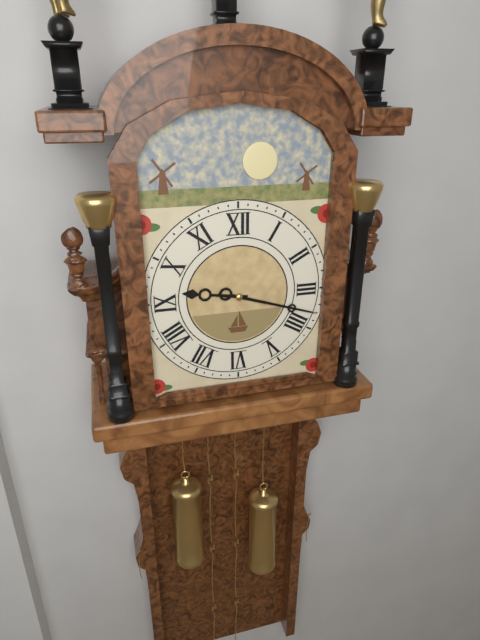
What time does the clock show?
9:18
